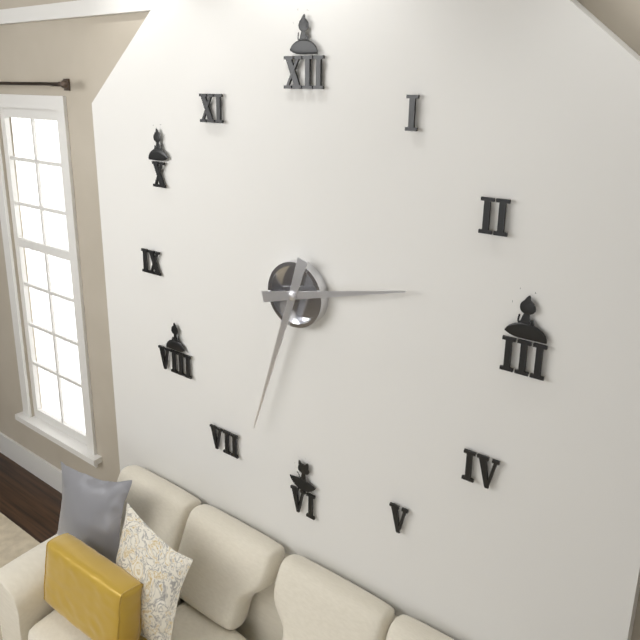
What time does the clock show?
2:33
